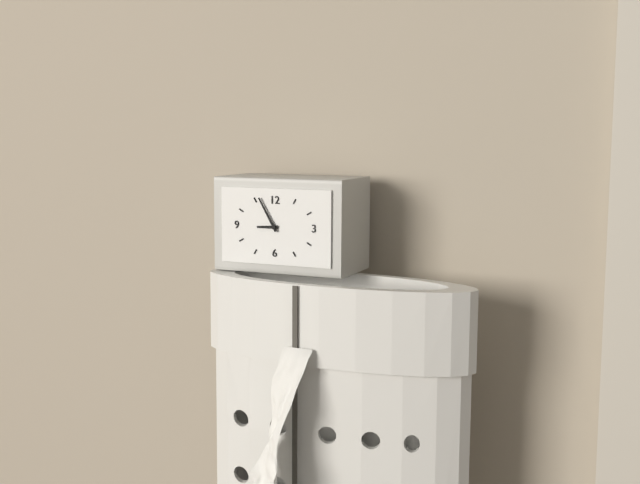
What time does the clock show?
8:55
